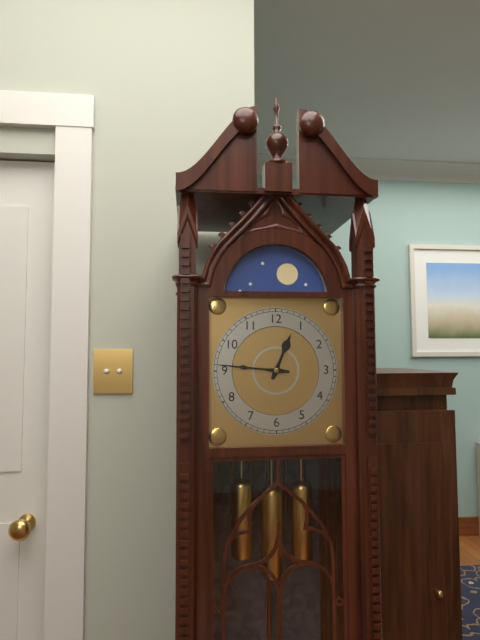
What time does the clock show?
12:46
